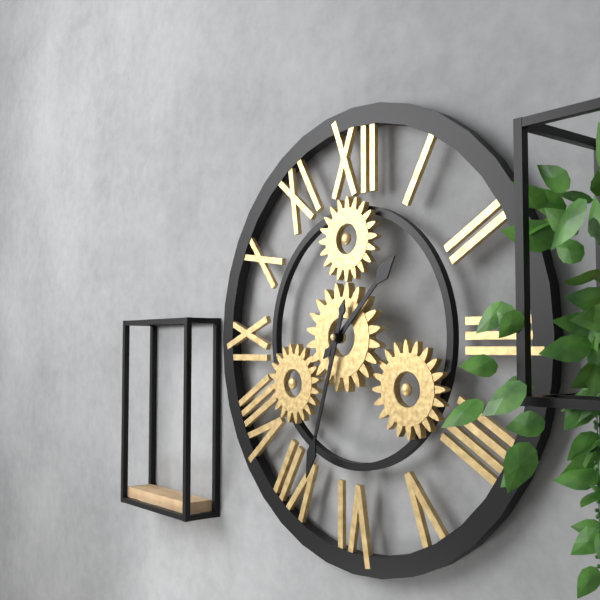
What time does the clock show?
1:33
